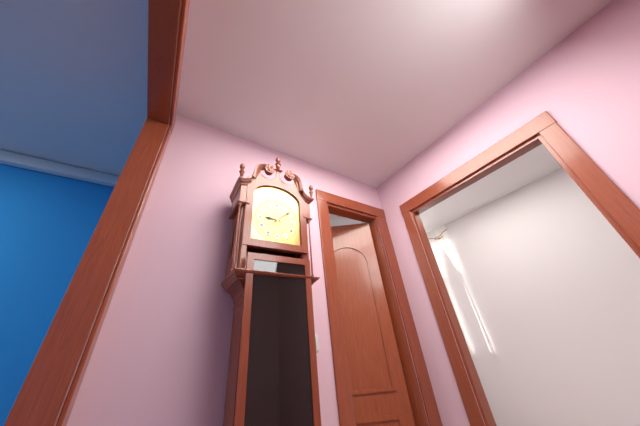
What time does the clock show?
9:08
